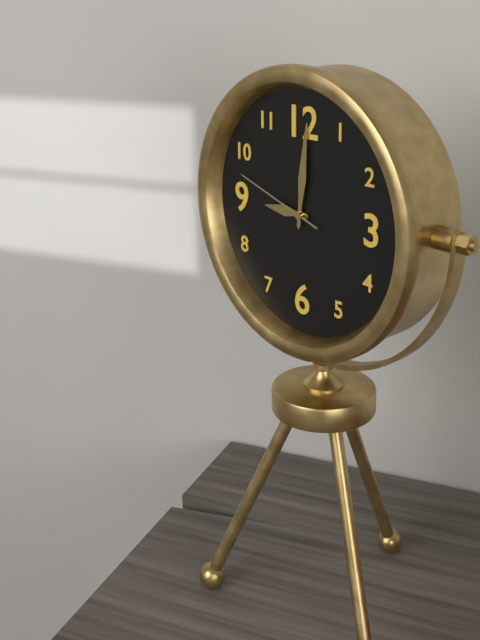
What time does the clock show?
9:01:48
